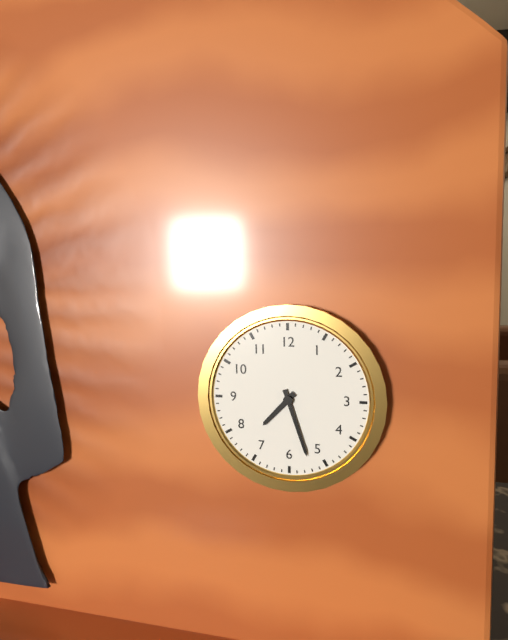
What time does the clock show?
7:27
